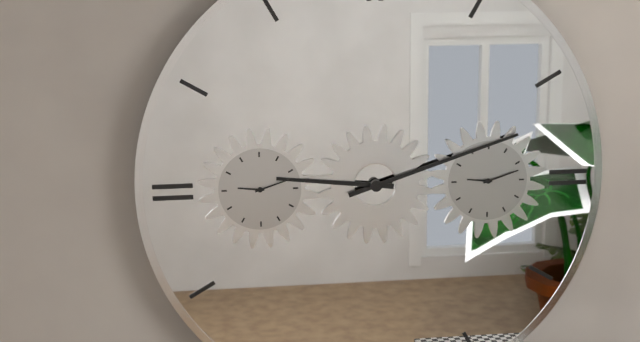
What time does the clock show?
9:12
